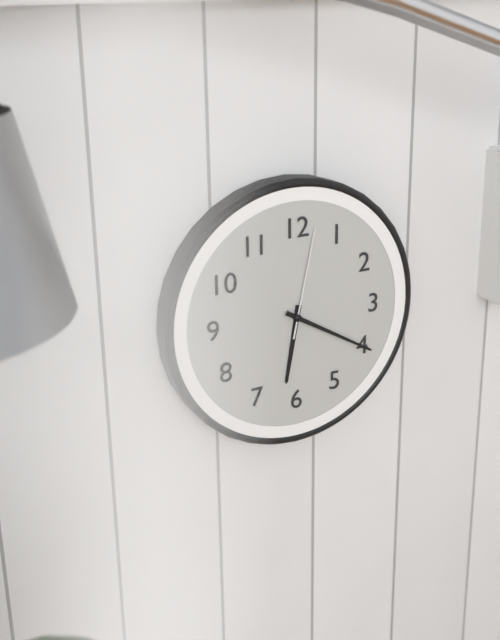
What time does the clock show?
6:20:02
